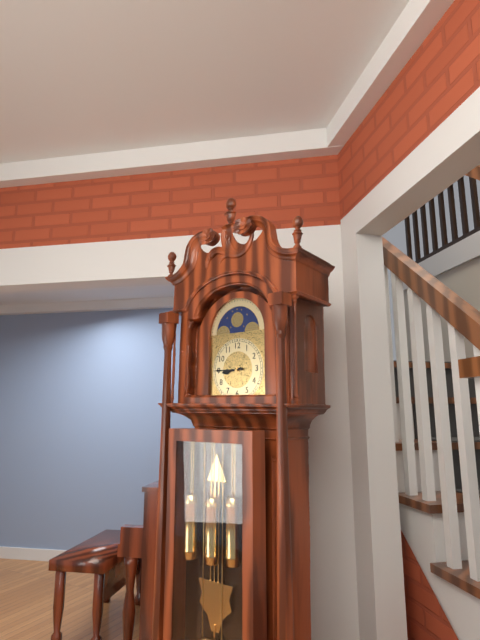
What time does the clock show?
8:45
